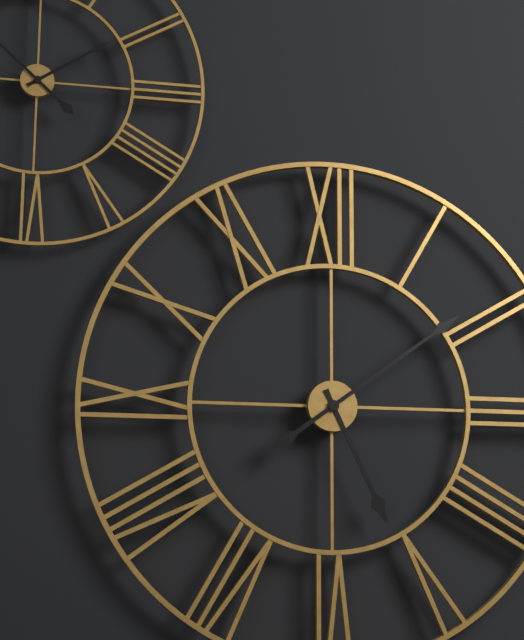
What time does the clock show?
5:09
